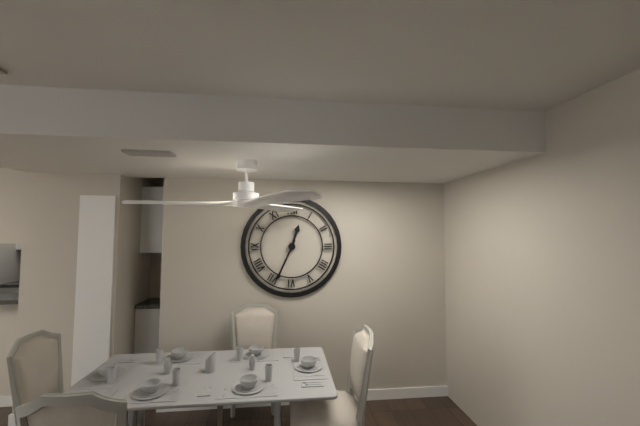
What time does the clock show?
12:34
